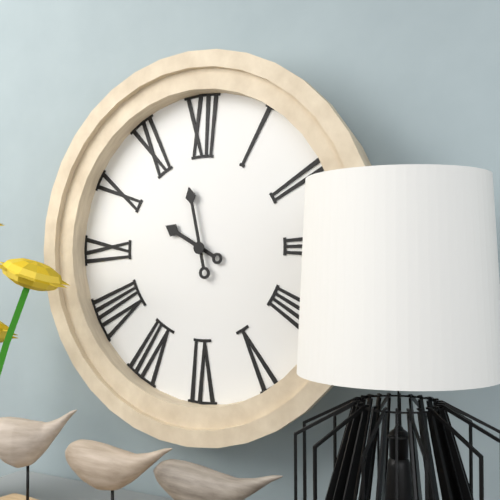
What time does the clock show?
9:58
